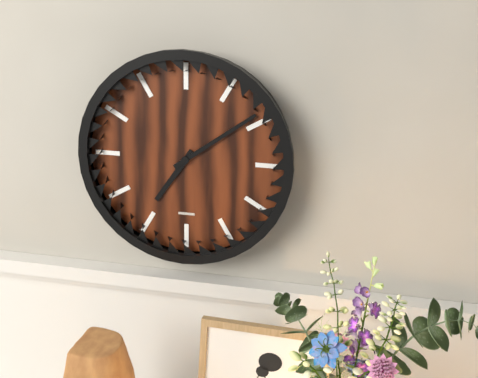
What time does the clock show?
7:09
